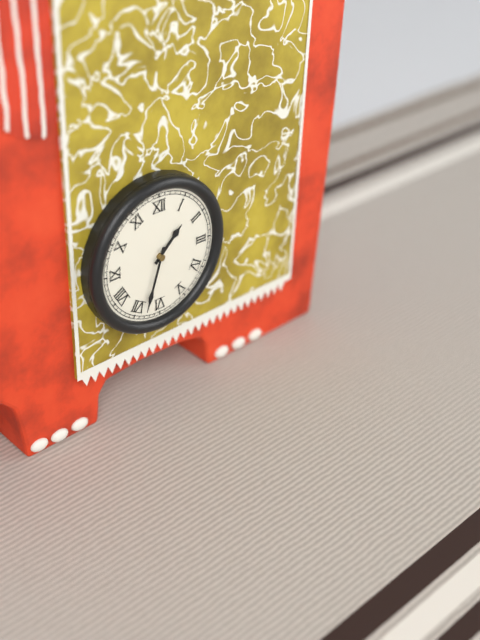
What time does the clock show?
1:33
